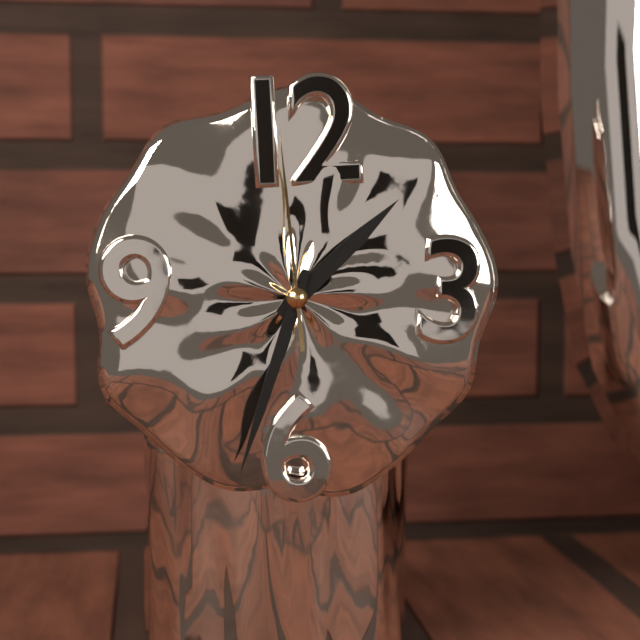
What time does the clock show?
1:33:59
